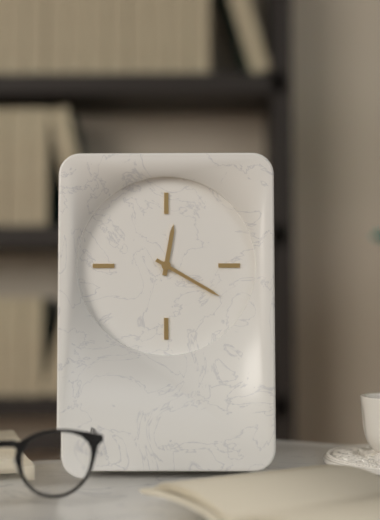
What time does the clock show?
12:20
